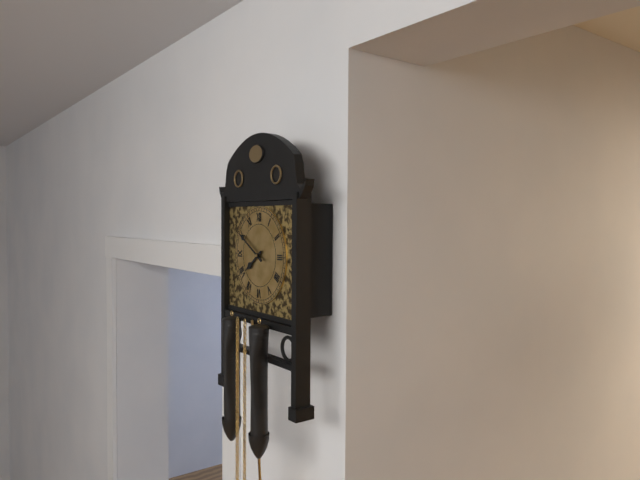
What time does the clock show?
7:50
